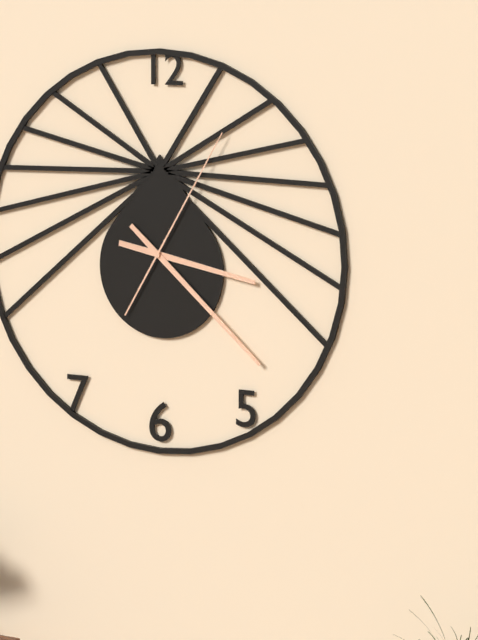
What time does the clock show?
3:22:05
